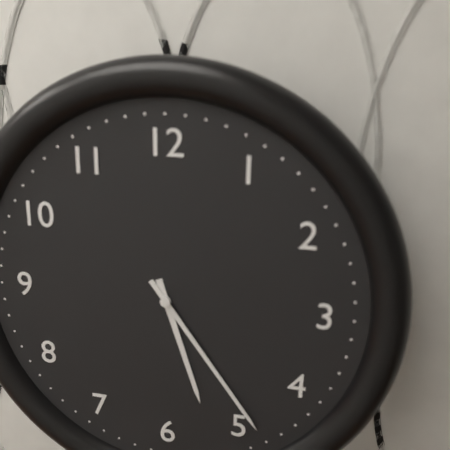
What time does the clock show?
5:24
